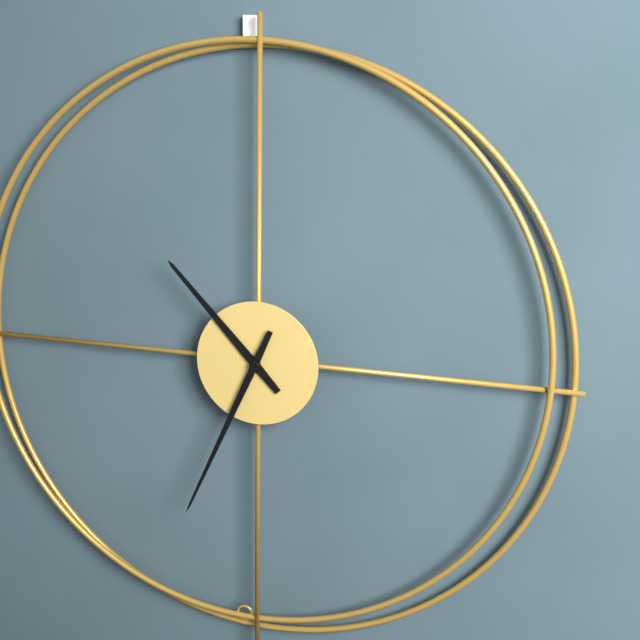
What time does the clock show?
10:34
